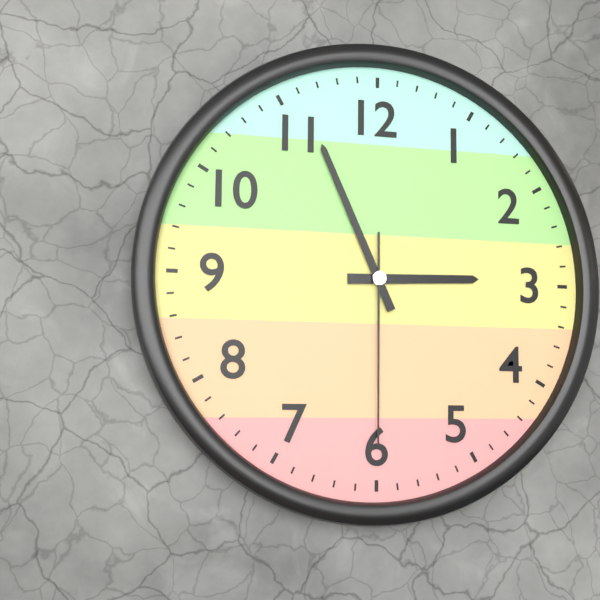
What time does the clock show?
2:56:30
